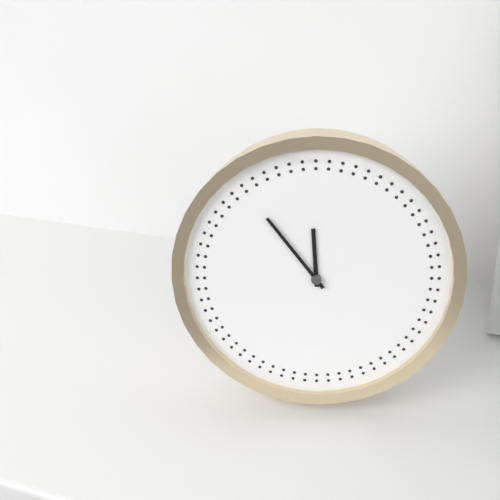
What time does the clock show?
11:54
